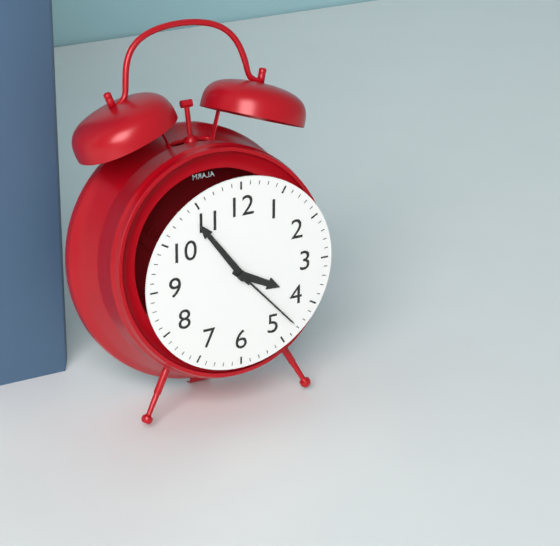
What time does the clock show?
3:54:23
